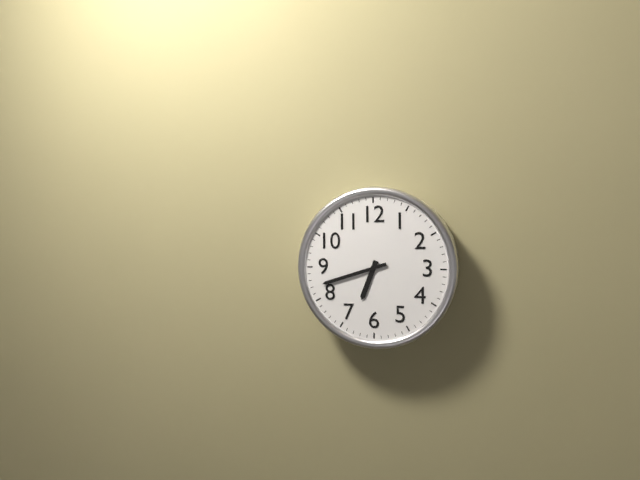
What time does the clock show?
6:42
